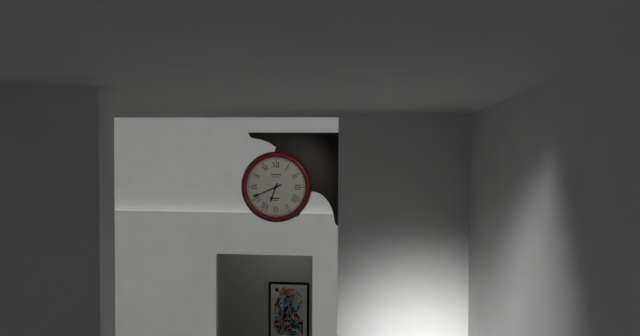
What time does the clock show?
6:41
